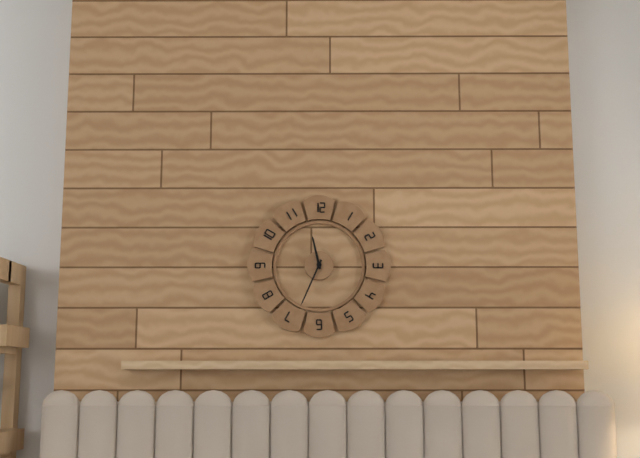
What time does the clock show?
11:34
